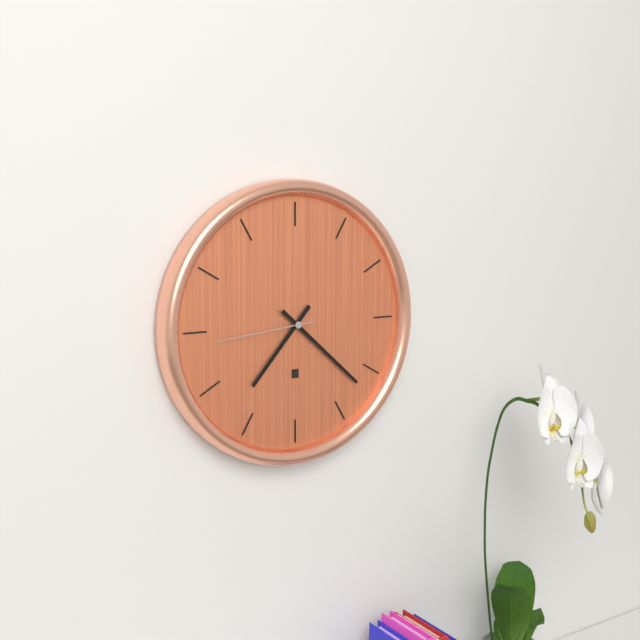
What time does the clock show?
7:22:44
